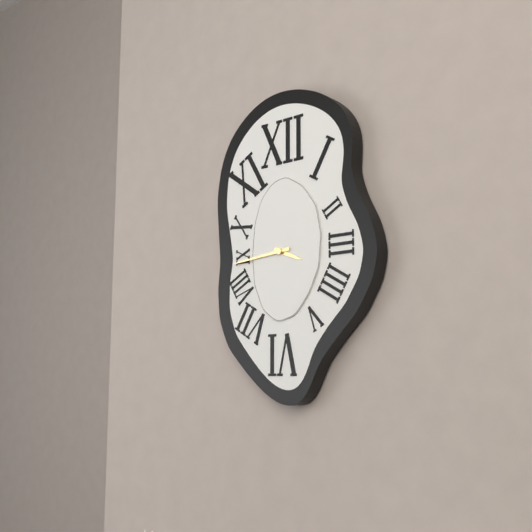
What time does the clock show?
3:44
